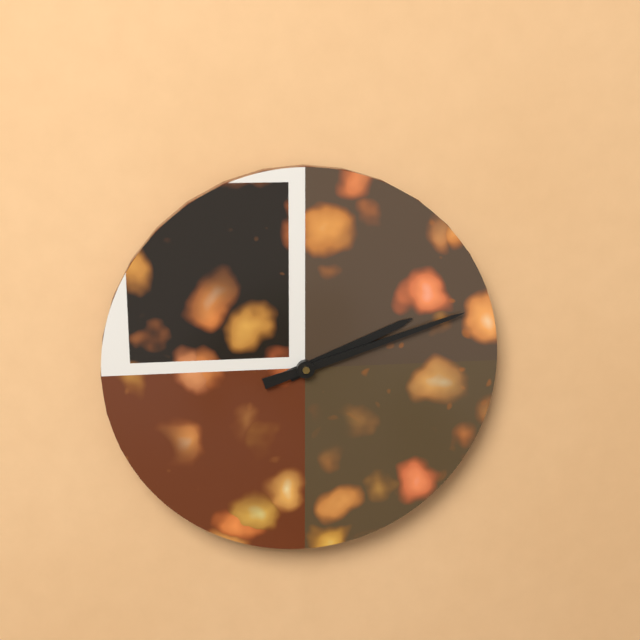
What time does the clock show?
2:12
